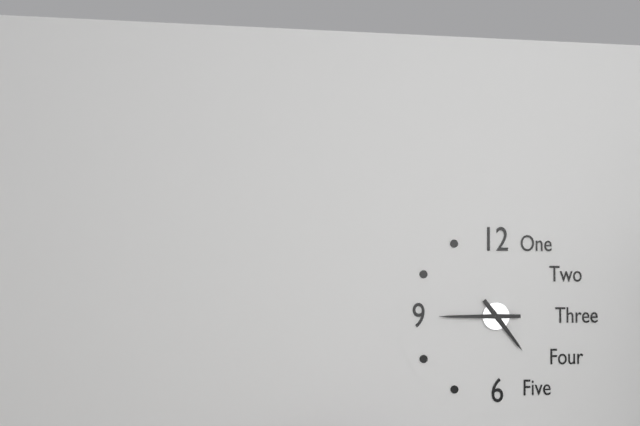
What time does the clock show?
4:45
